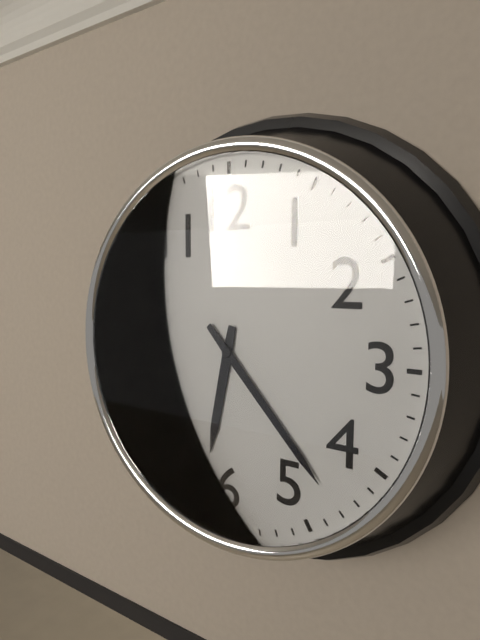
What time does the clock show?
6:23
